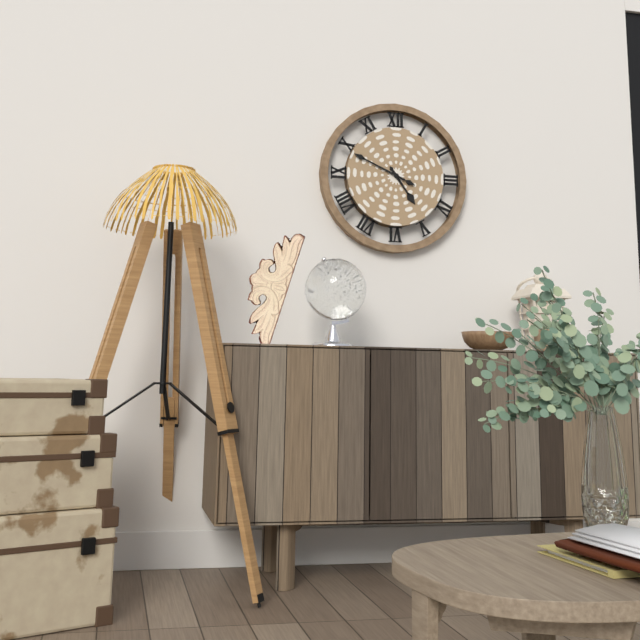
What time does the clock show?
4:49
